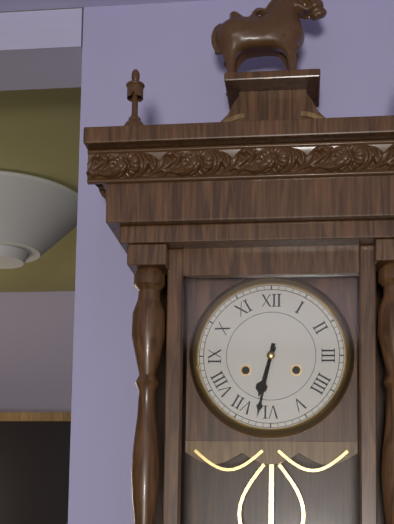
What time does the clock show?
6:32
